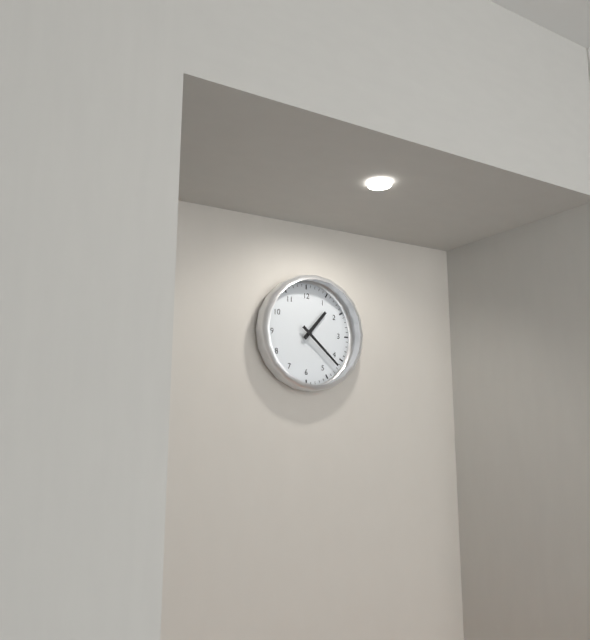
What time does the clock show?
1:22
